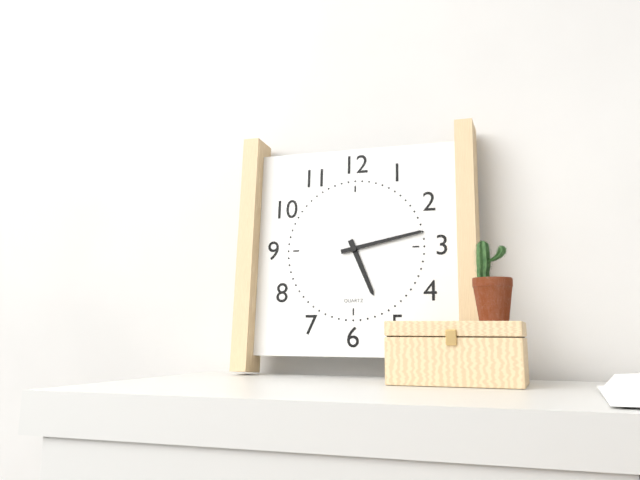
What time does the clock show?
5:13
